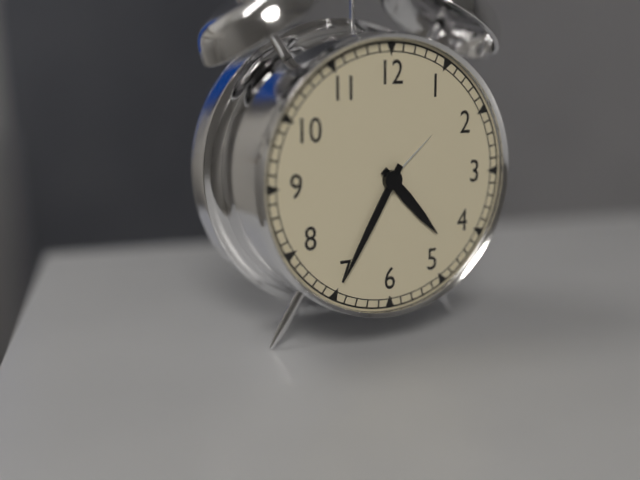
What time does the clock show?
4:35
